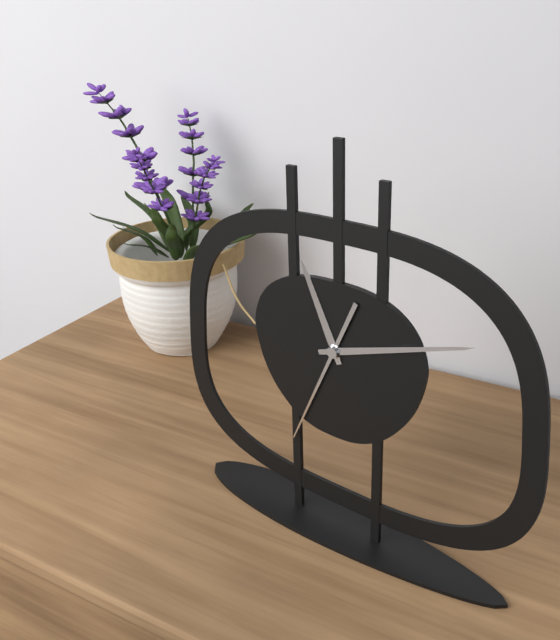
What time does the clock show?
11:12:34
